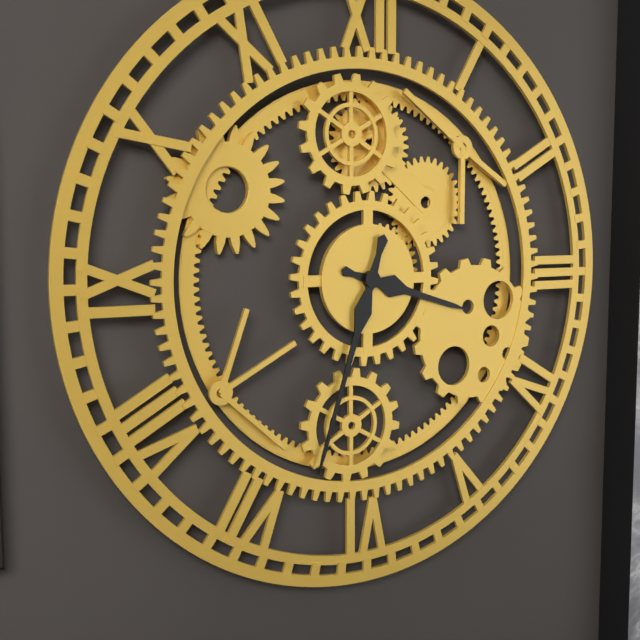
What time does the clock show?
3:33
